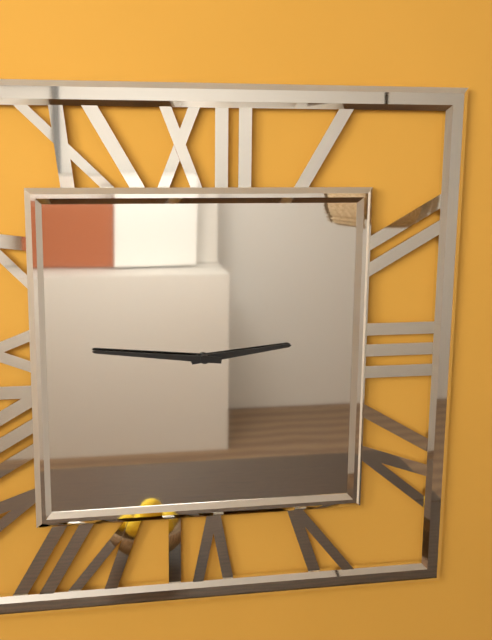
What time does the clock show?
2:46
